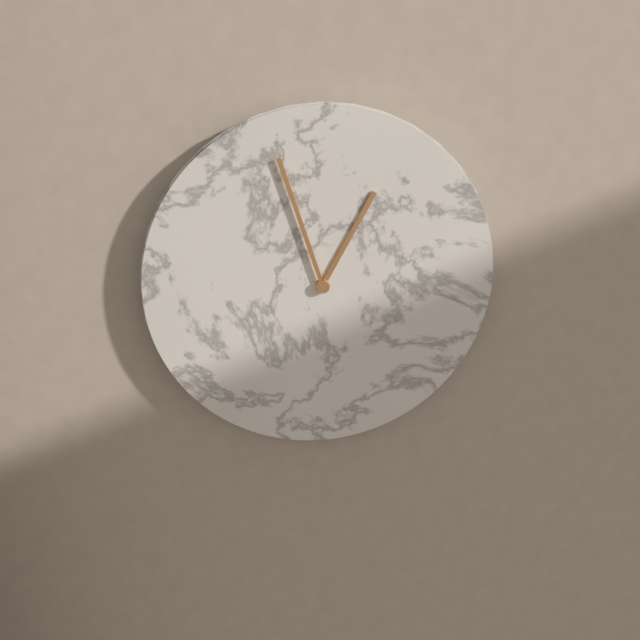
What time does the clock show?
12:57
